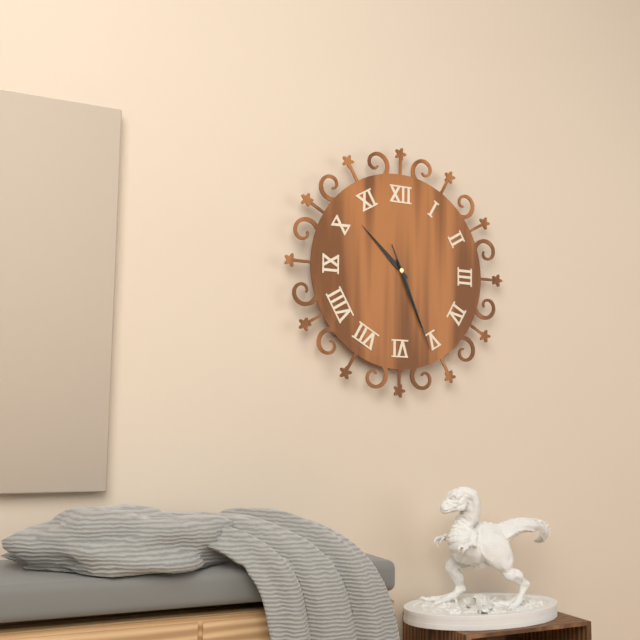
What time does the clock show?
10:26:26
